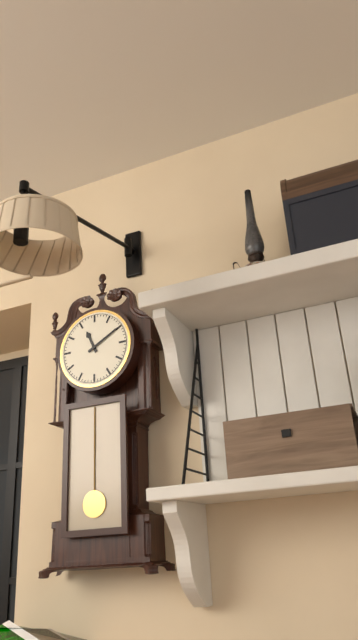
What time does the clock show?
11:10
